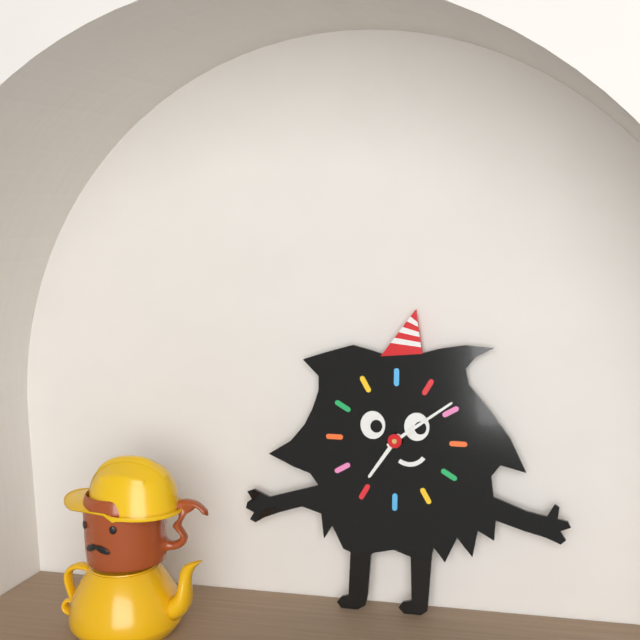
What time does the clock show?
7:09
